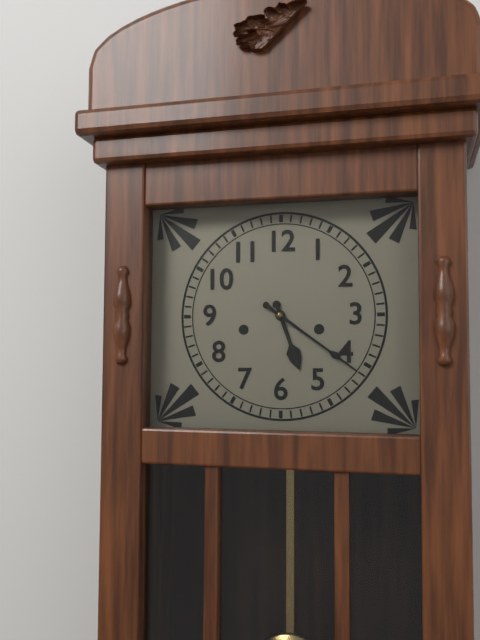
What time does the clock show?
5:21
